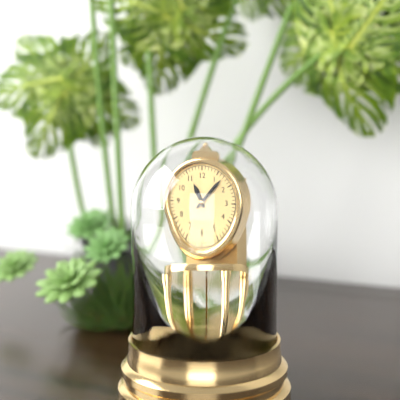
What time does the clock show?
11:07
